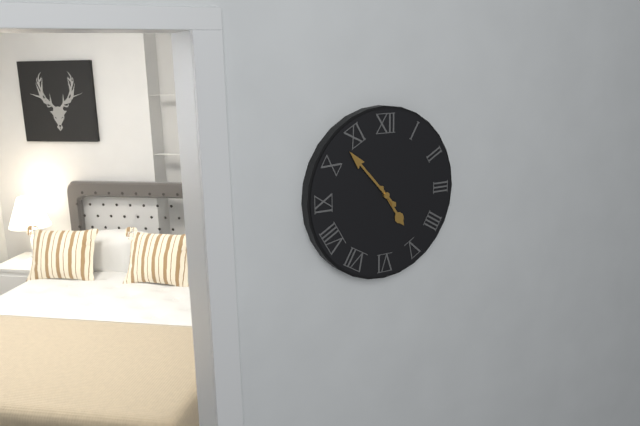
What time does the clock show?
4:53
